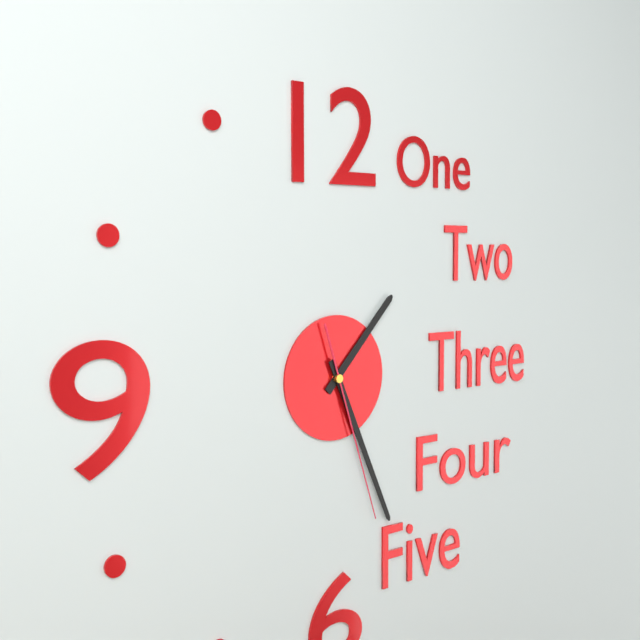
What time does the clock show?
1:26:27
